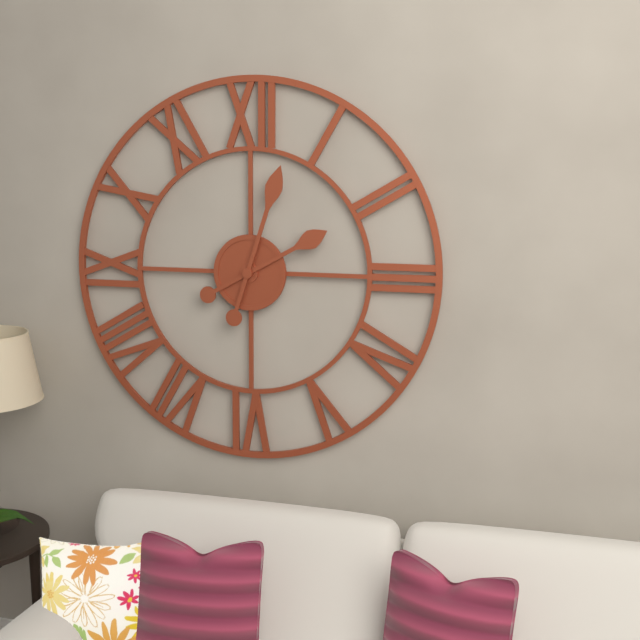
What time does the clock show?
2:03
